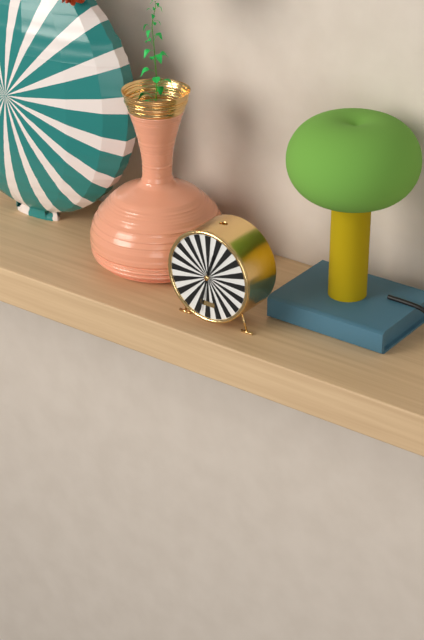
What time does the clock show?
12:32
